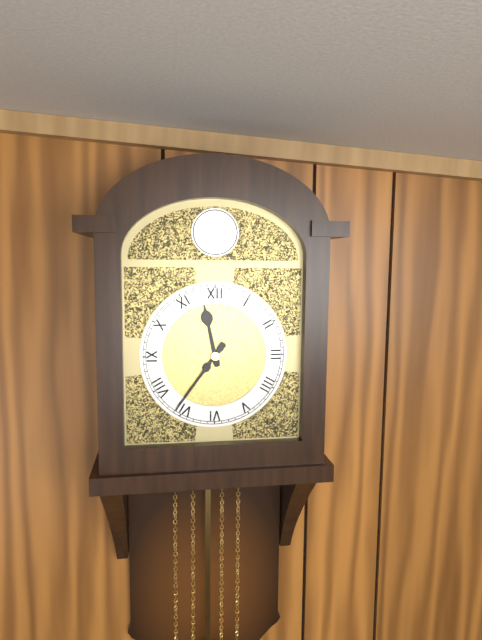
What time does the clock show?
11:36
